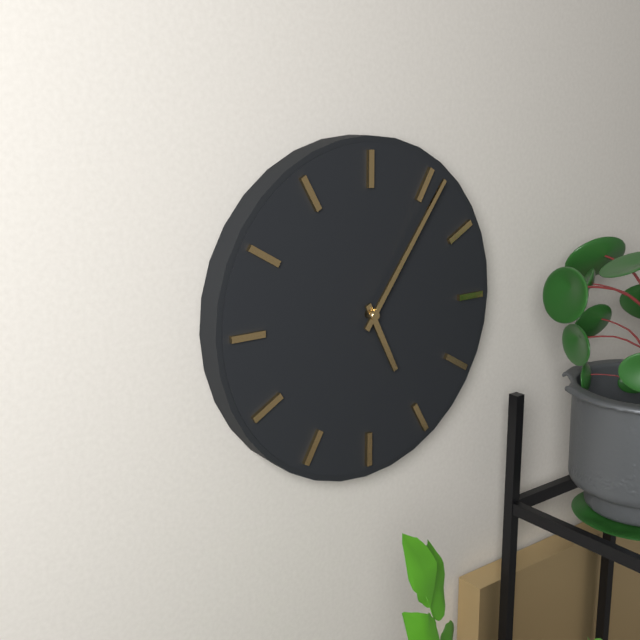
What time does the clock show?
5:06
